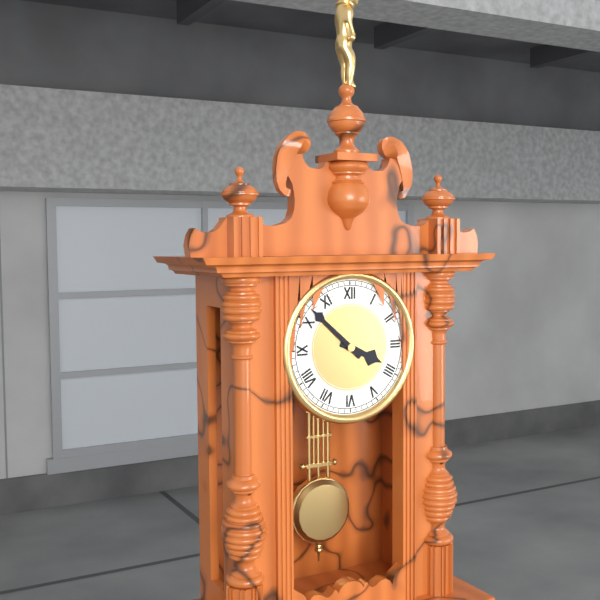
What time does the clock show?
3:52
